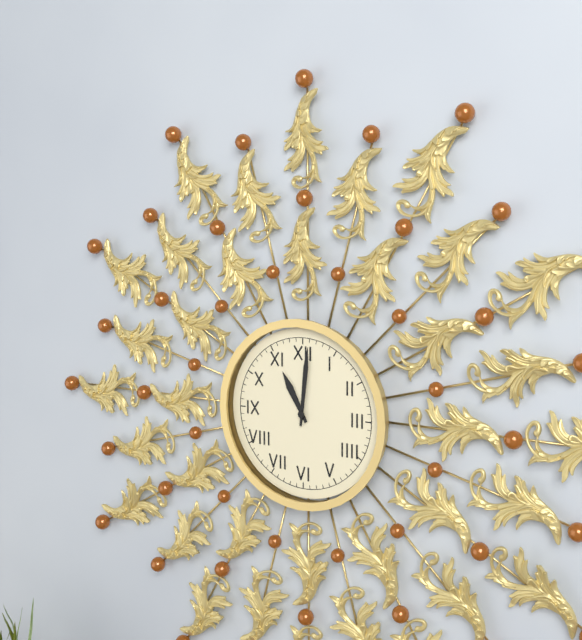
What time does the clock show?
11:01
